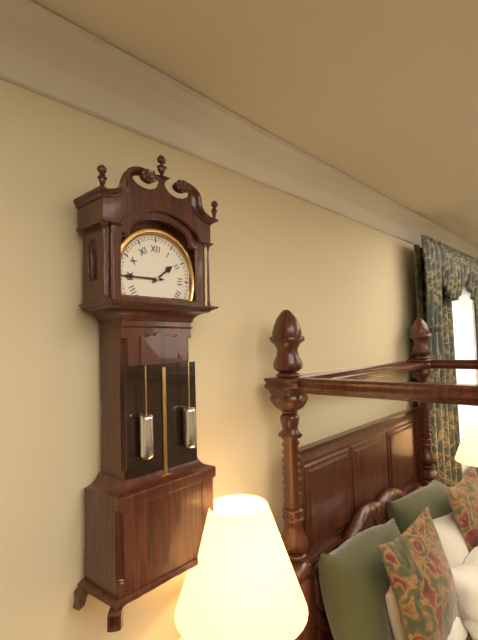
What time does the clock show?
1:45
